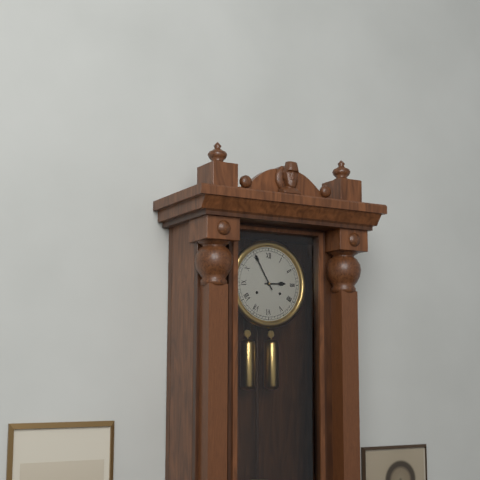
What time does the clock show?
2:55
